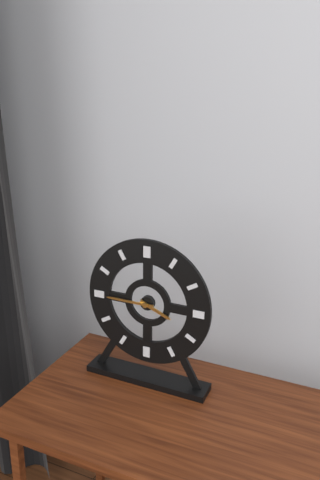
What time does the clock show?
3:45
